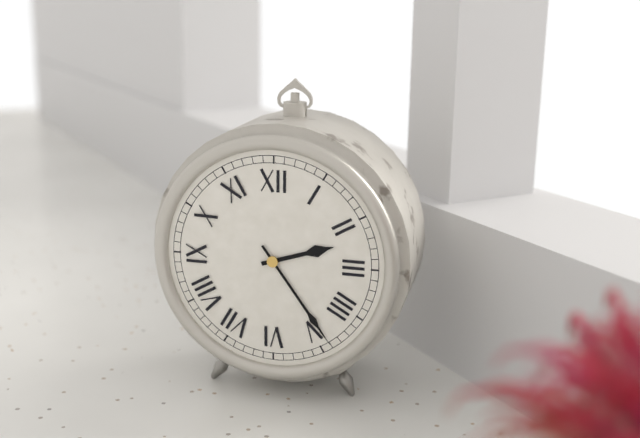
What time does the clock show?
2:24
